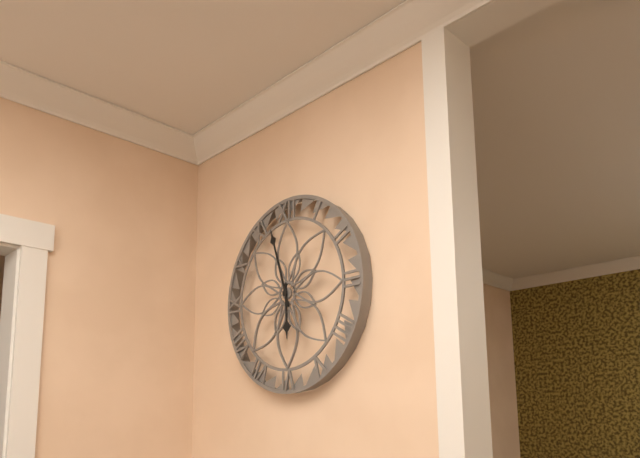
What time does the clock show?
5:57
